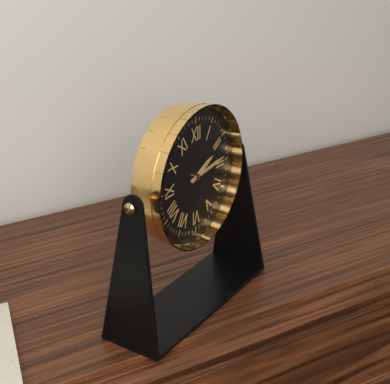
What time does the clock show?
2:14
